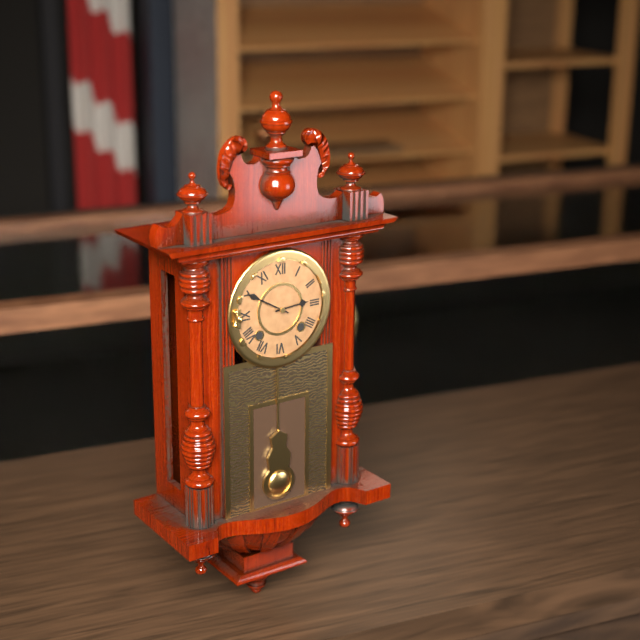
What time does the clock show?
2:50
